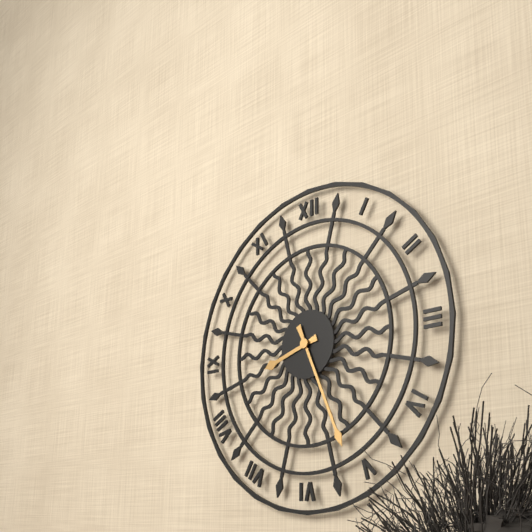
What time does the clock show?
8:26
